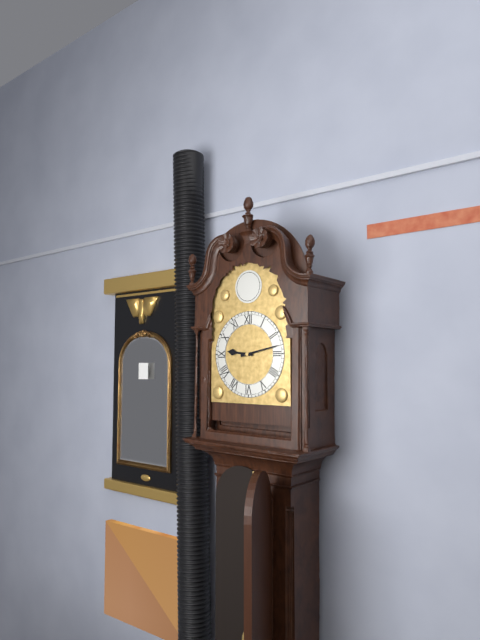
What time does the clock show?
9:13
